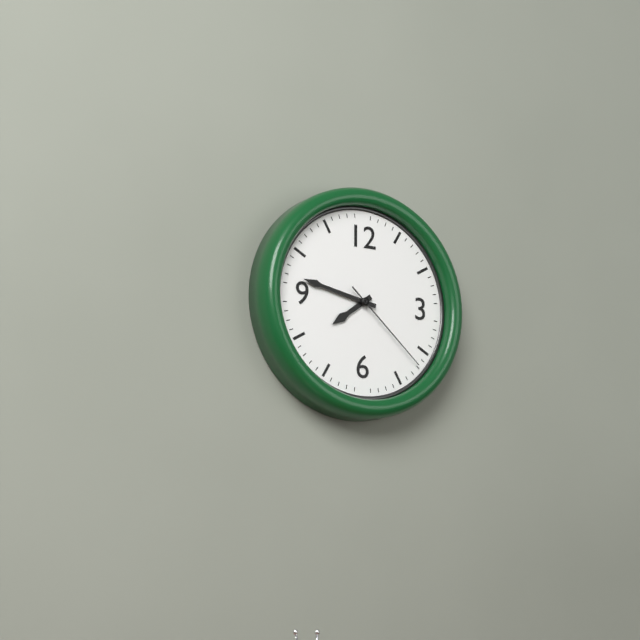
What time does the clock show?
7:47:22
